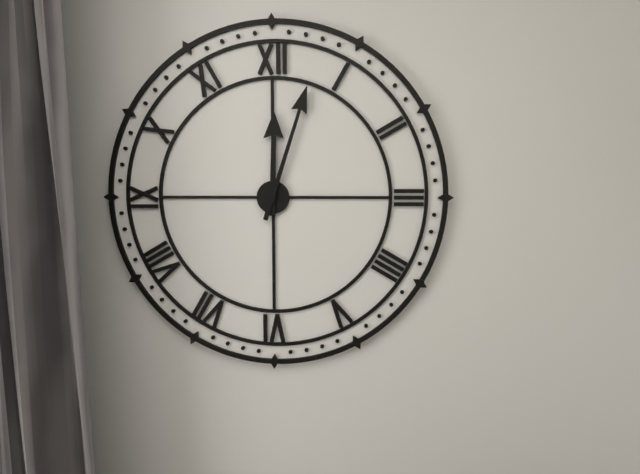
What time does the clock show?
12:03
